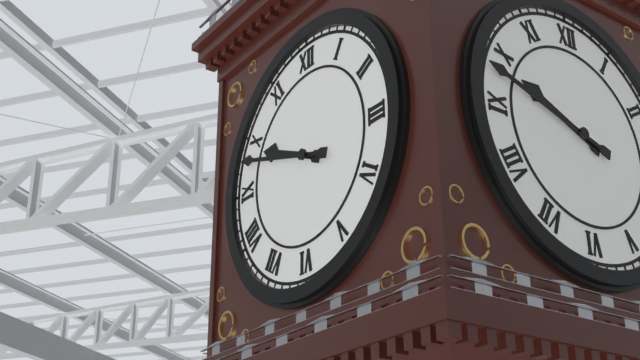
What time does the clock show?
9:48
